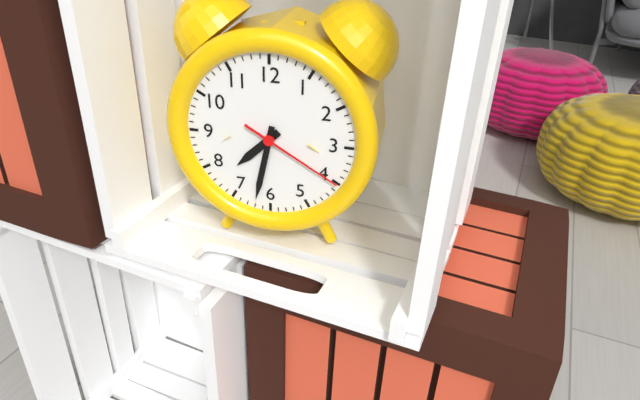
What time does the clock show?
7:32:20
